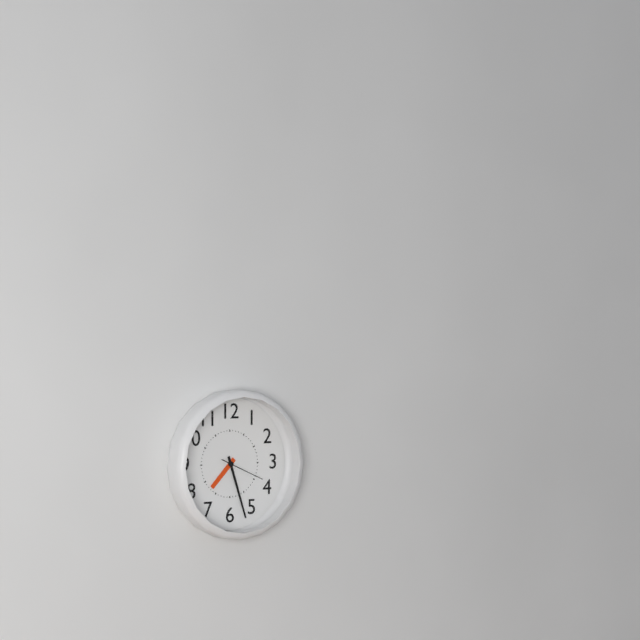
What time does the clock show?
7:27
